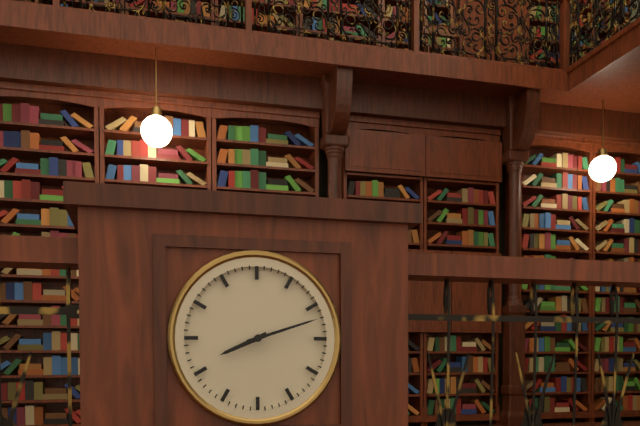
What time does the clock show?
8:12
